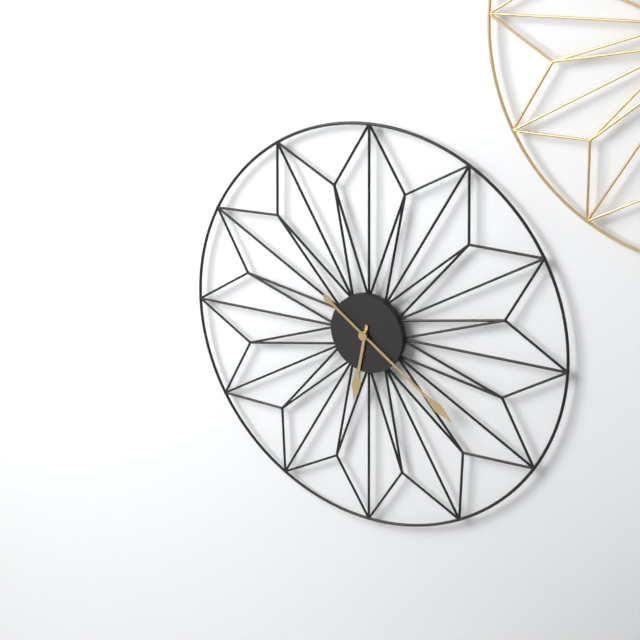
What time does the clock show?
6:21
